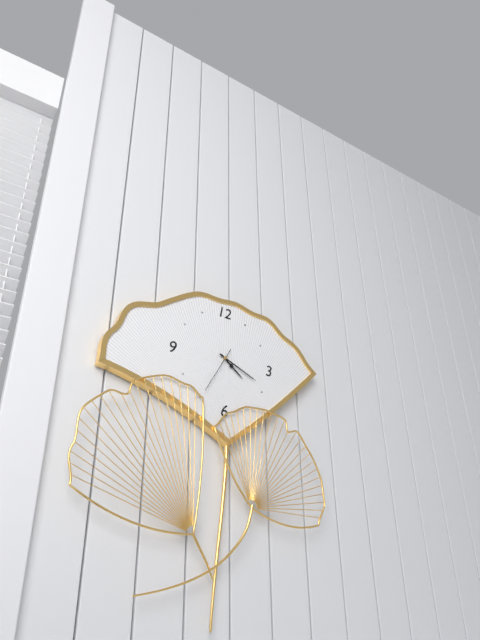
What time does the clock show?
4:19
